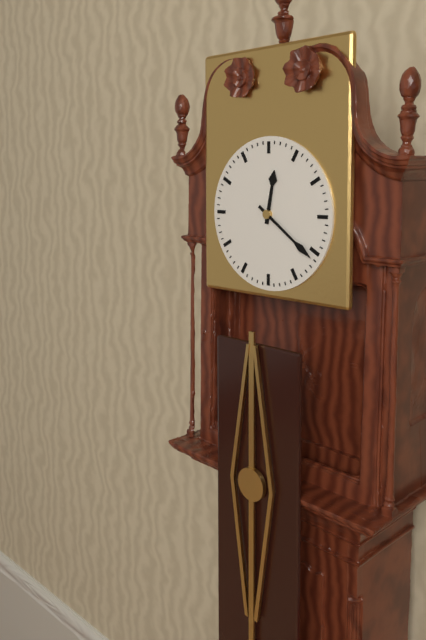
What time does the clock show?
12:21
